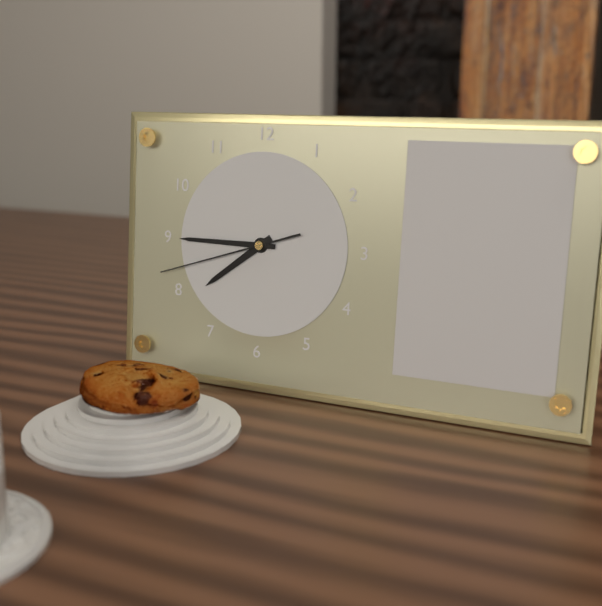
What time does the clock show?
7:45:42
